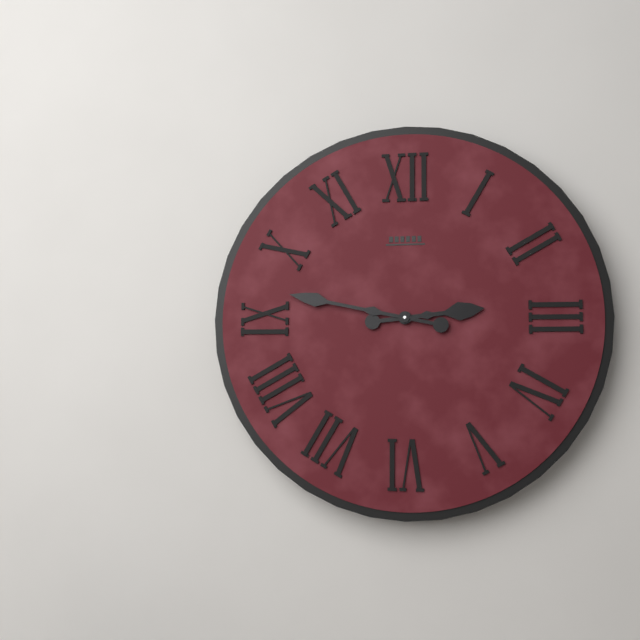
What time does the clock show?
2:47
